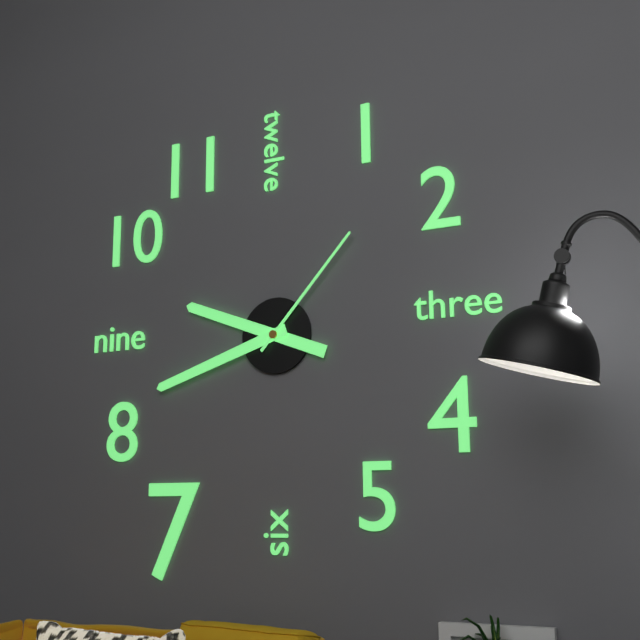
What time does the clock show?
9:42:07
